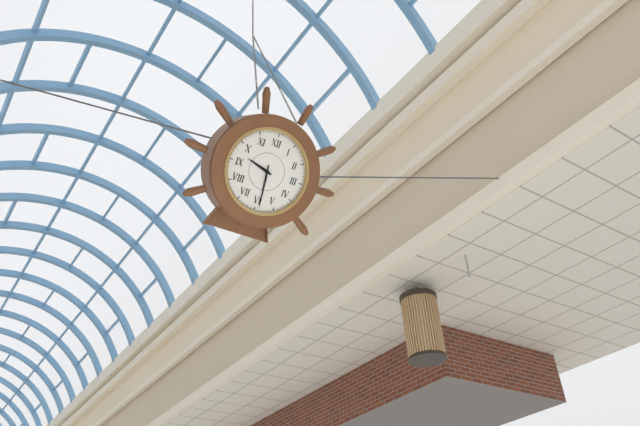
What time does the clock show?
9:29
